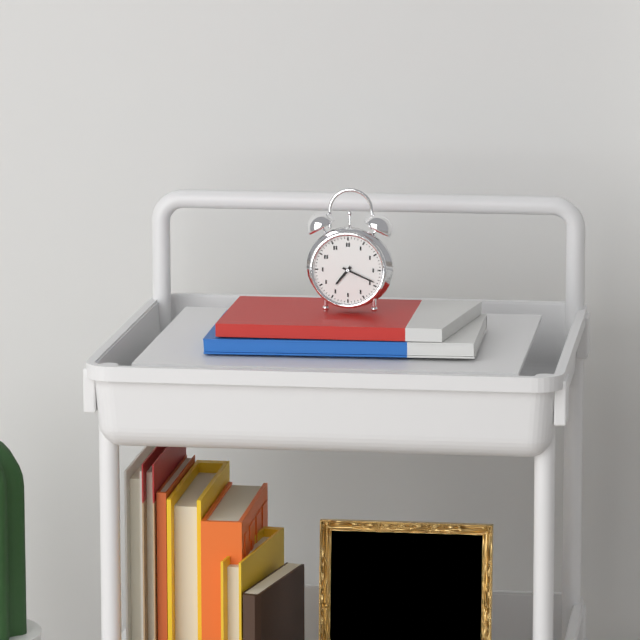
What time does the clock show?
7:19
